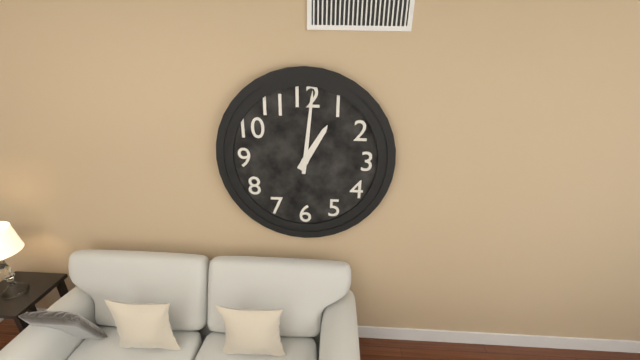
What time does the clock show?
1:01
